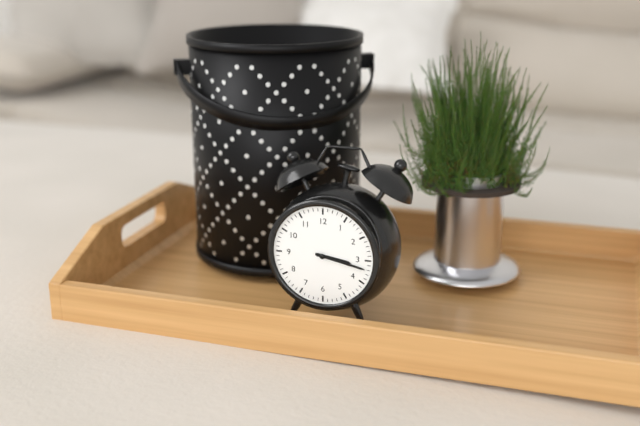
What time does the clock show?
3:17
